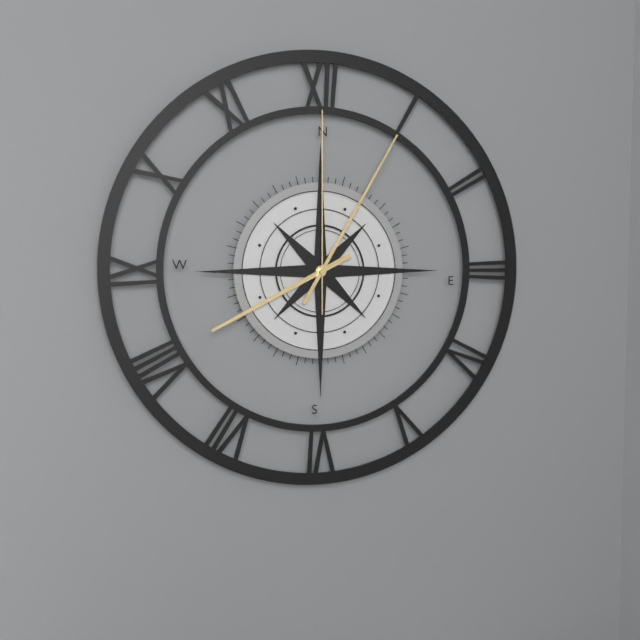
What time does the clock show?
8:05:00
